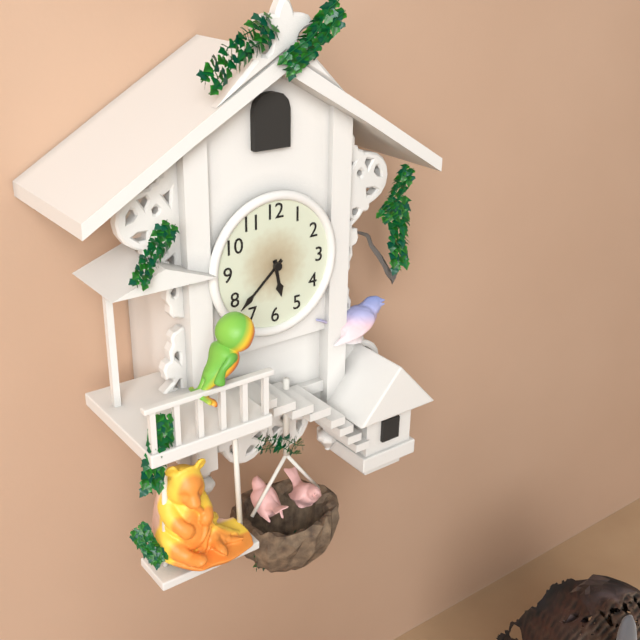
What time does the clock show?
5:38
